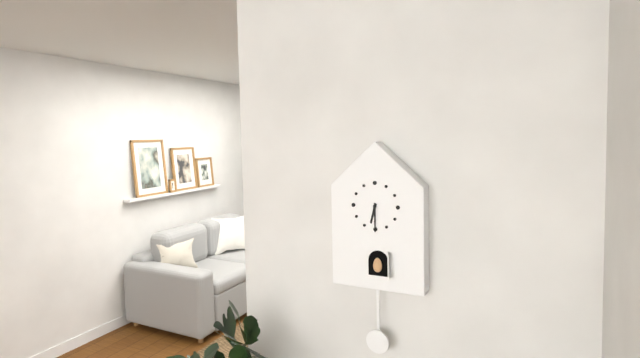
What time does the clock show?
6:30
